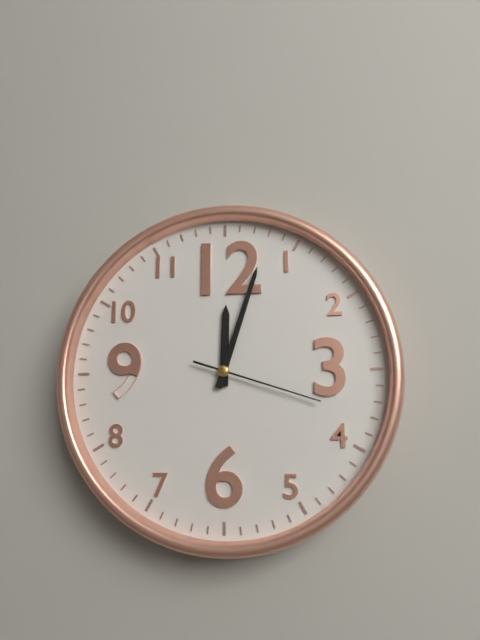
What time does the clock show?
12:03:18
